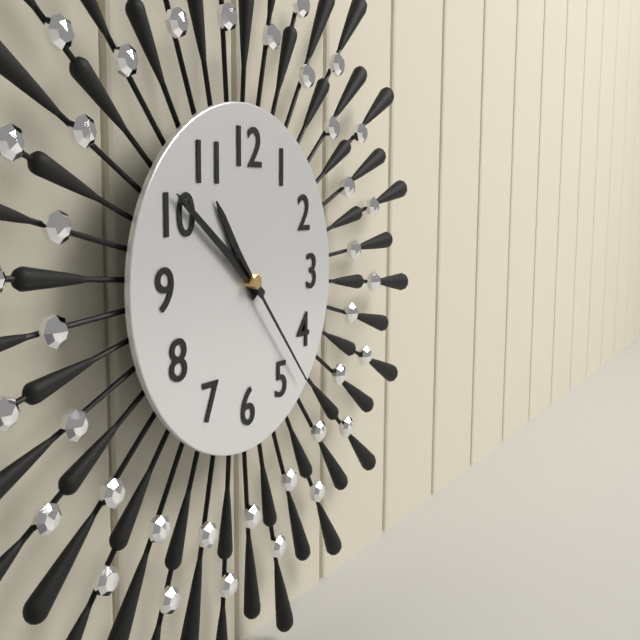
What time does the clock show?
10:51:23
